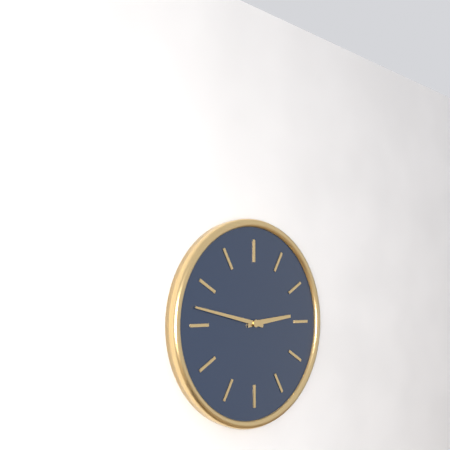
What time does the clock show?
2:47
